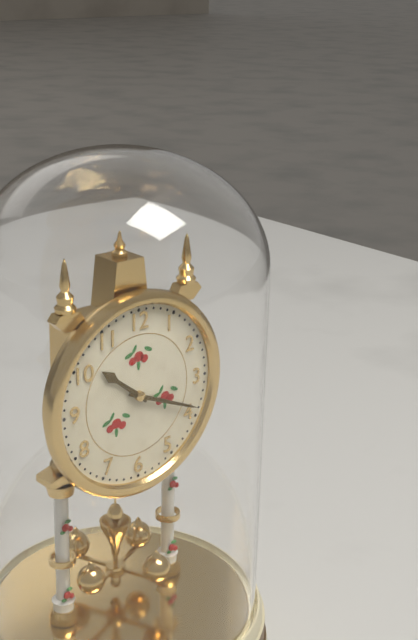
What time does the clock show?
10:19
